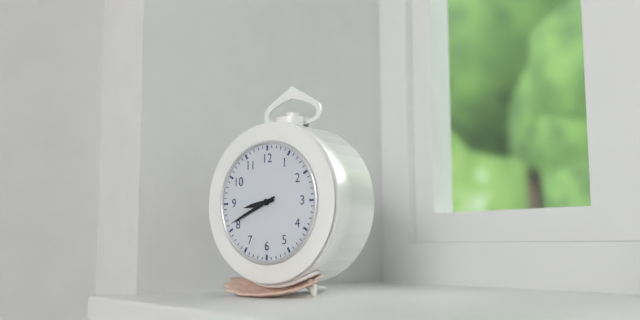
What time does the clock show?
8:41
